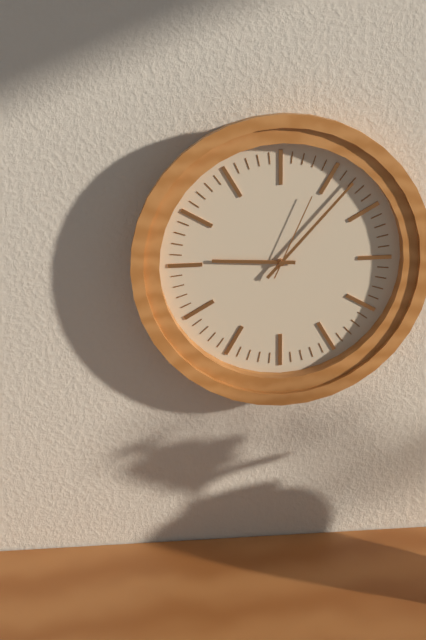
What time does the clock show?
9:07:04
